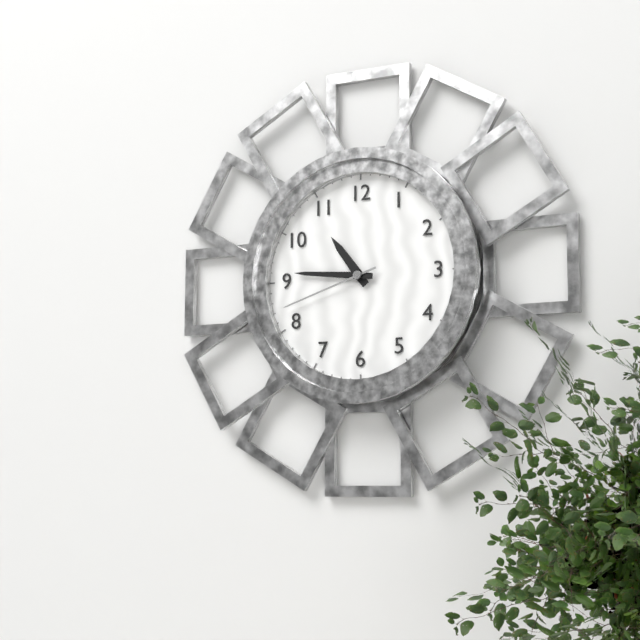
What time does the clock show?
10:46:42
